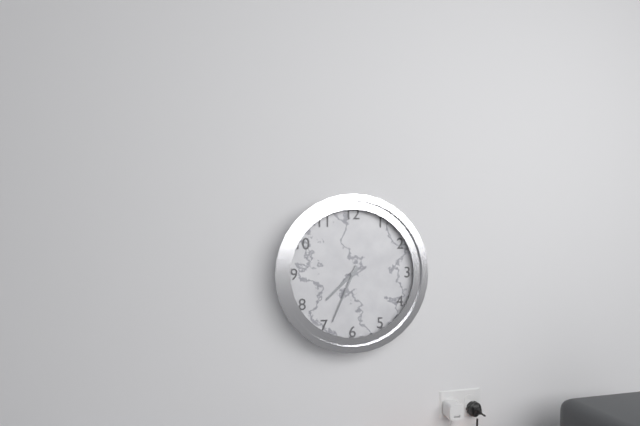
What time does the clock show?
7:34
